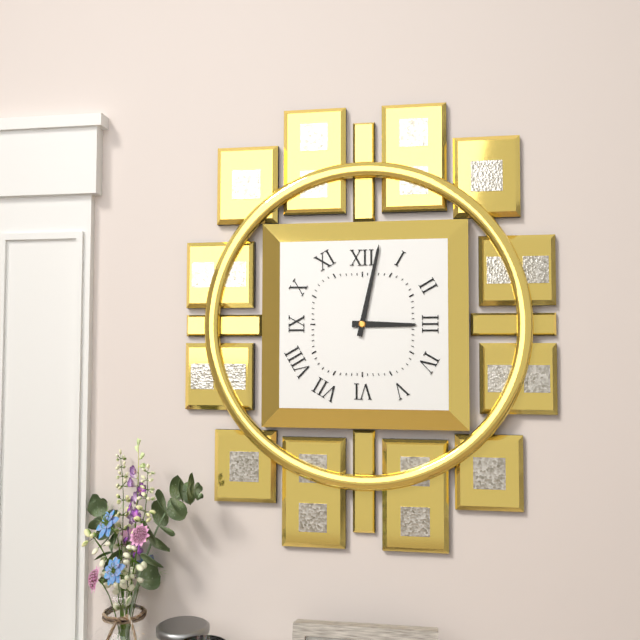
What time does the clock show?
3:02
